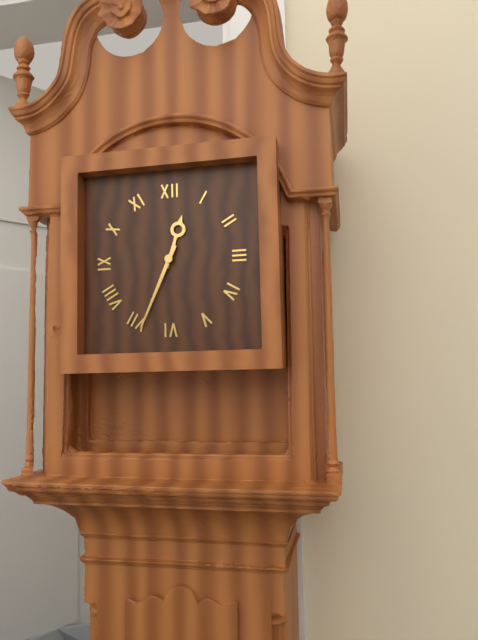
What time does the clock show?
12:34
